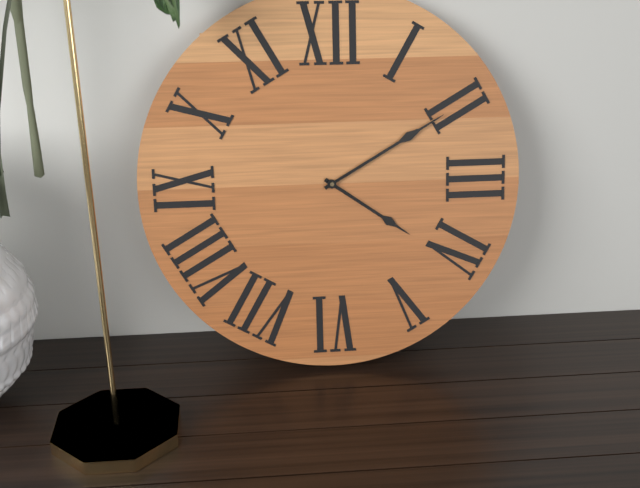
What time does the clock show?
4:10
